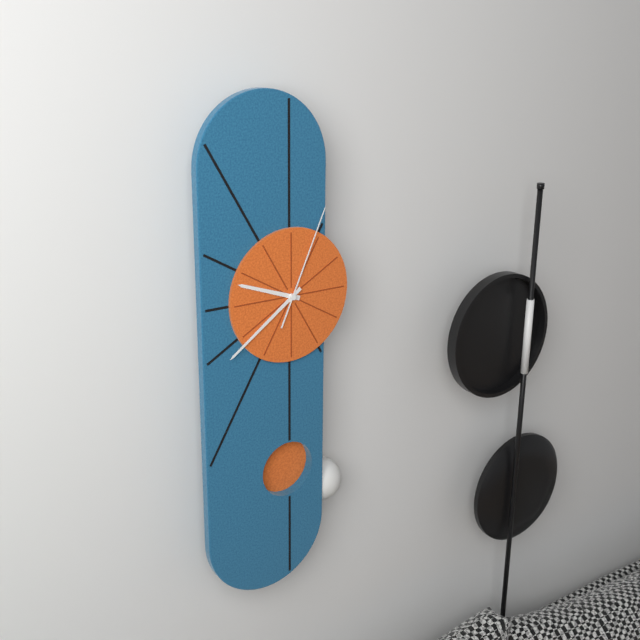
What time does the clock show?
9:39:04
